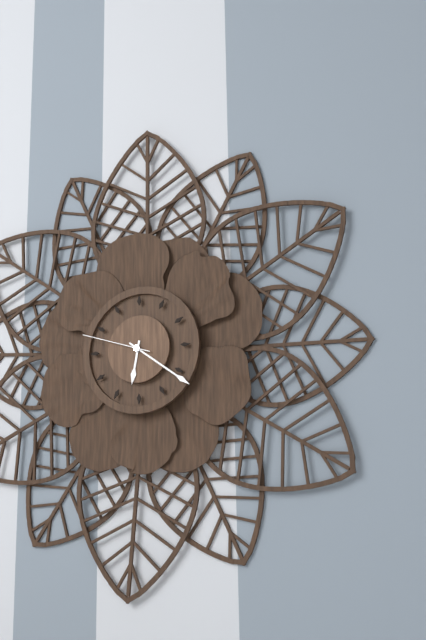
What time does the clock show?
6:21:48
